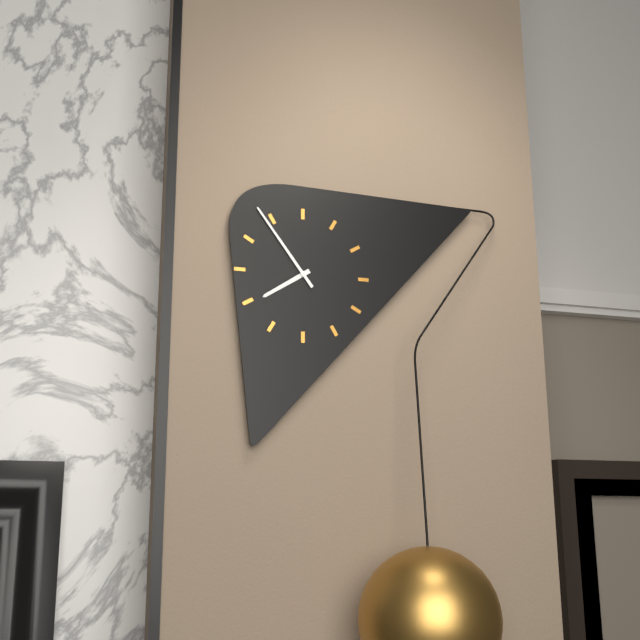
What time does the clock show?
7:54
